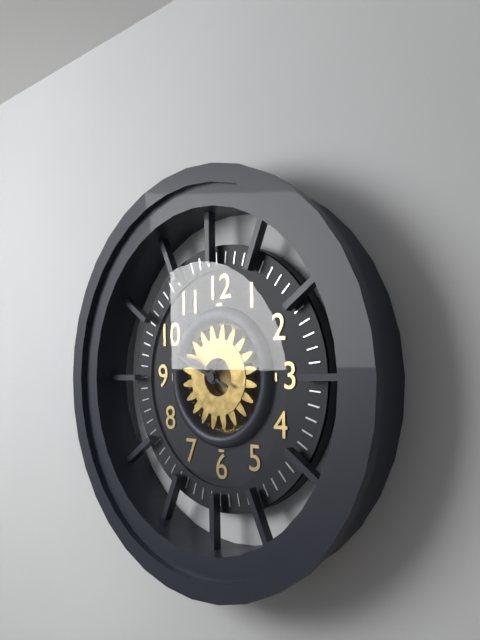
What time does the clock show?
9:49
